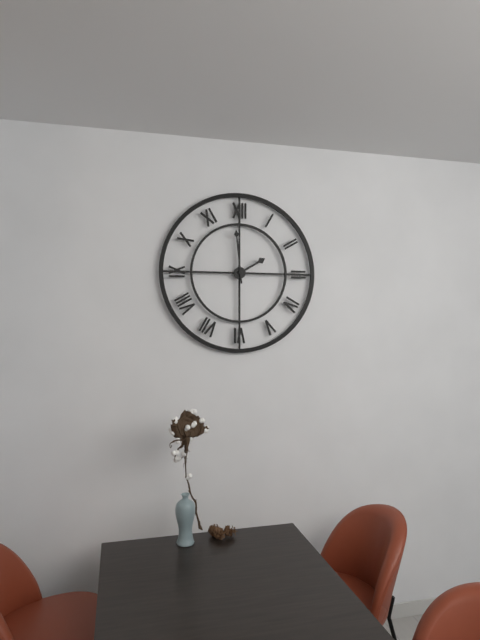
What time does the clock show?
1:59
